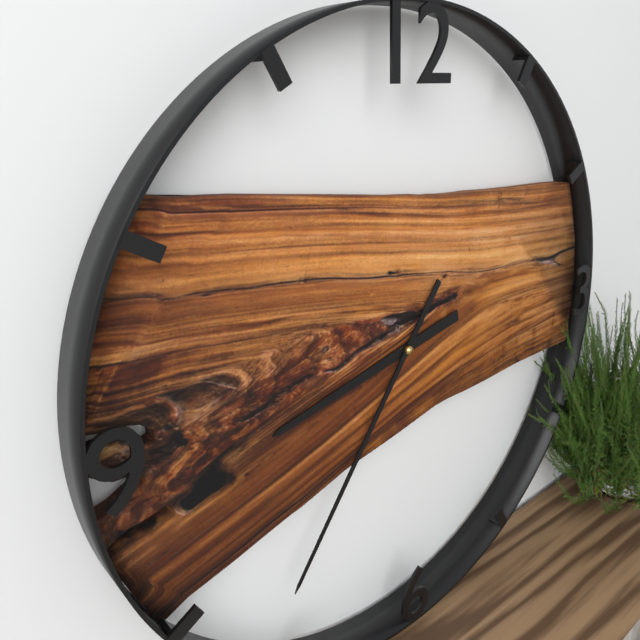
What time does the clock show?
8:36
